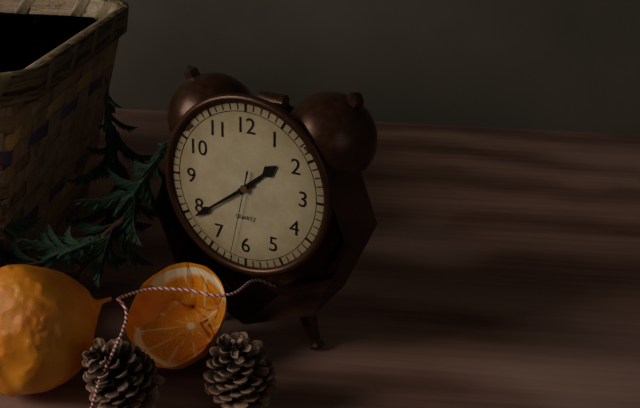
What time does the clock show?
1:39:32
